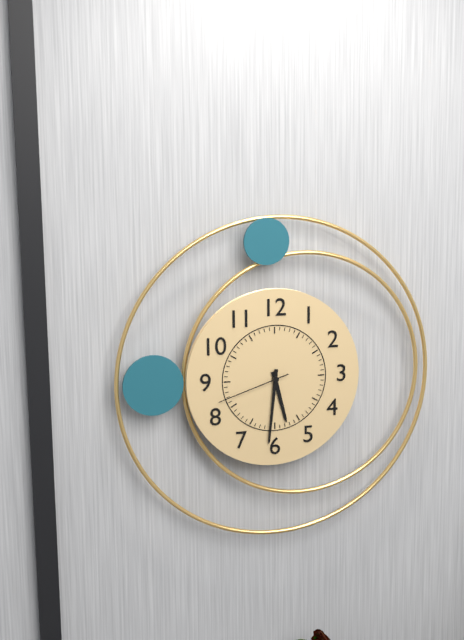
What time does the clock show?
5:31:42
